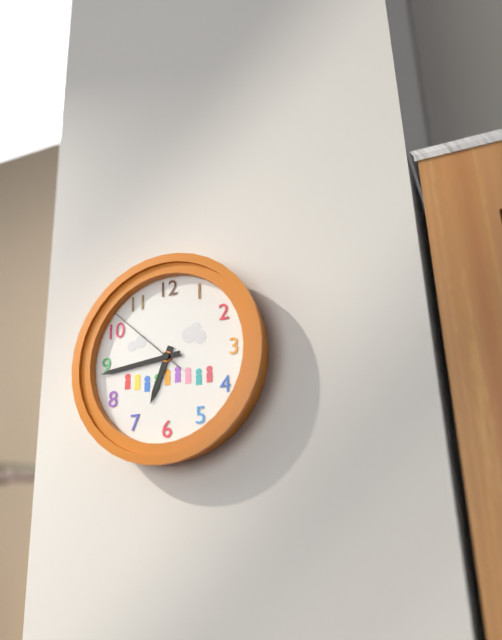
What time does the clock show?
6:44:52
